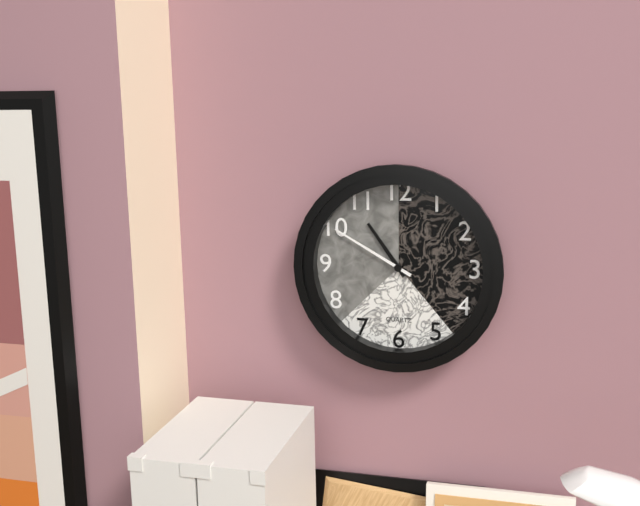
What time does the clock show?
10:50
